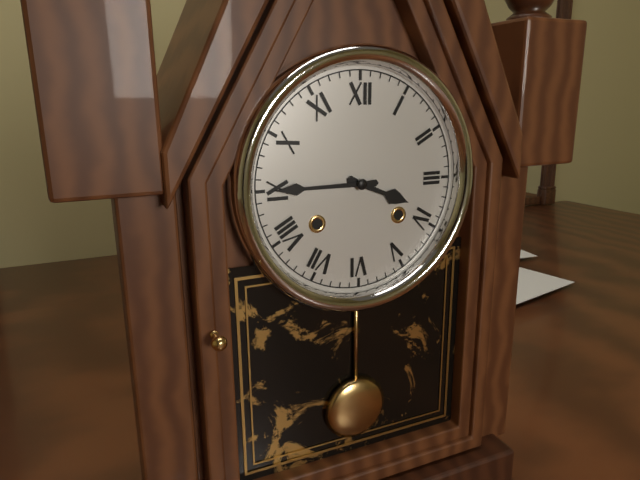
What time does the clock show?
3:45
